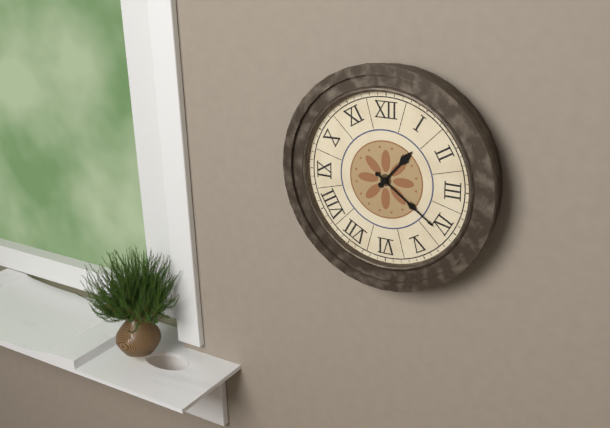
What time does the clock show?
1:21
